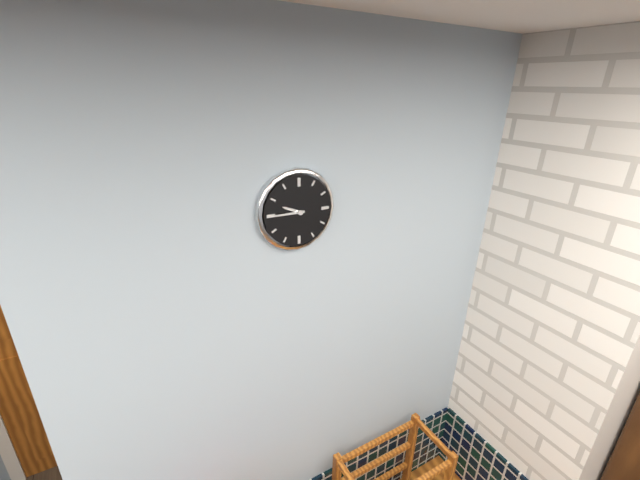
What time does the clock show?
9:45
